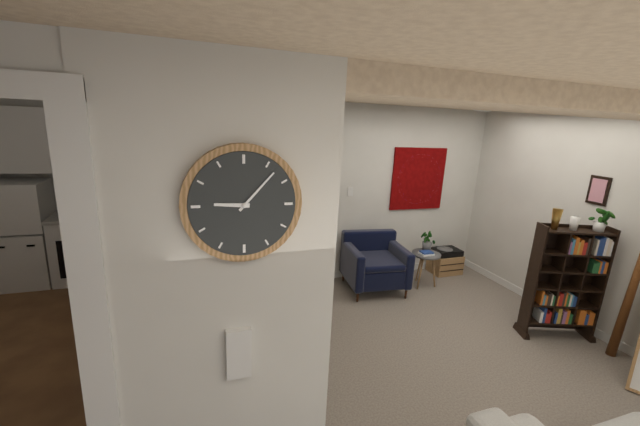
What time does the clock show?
9:07
